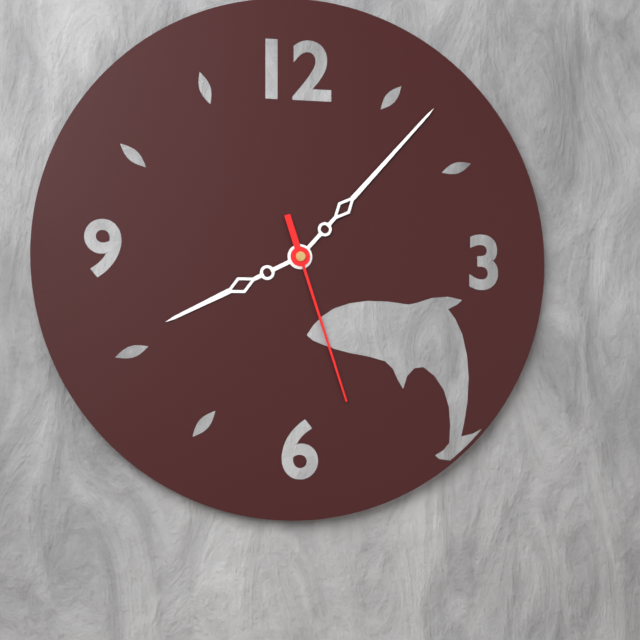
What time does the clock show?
8:07:27
